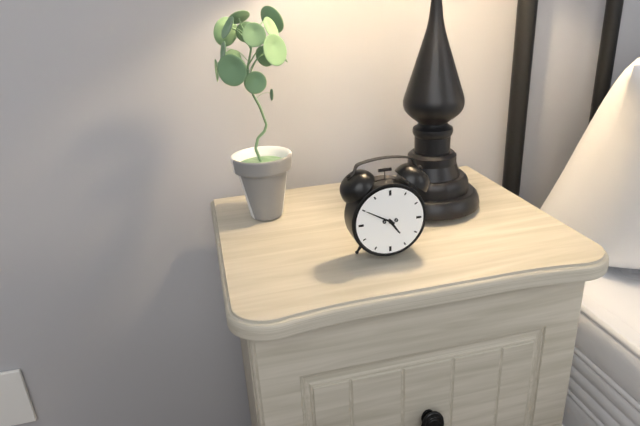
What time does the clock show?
4:50
